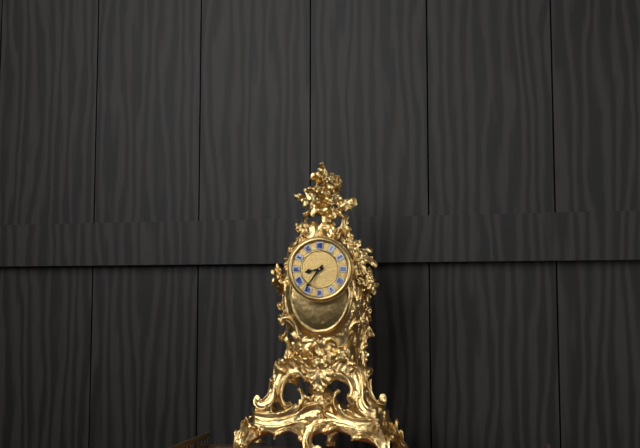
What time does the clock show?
8:36
